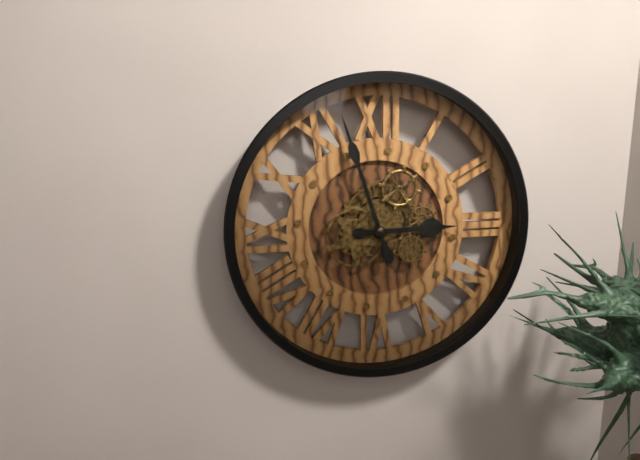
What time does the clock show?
2:57
